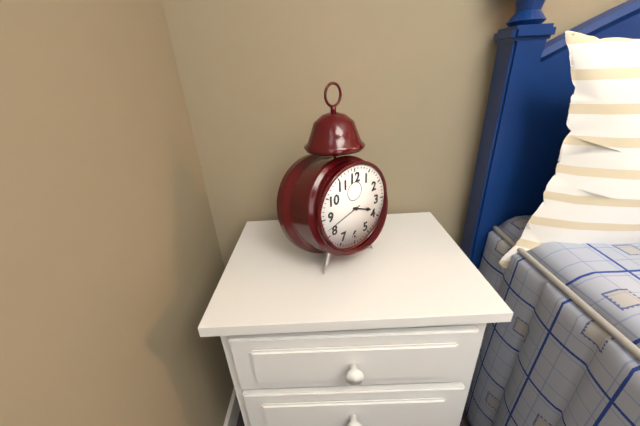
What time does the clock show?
3:42
